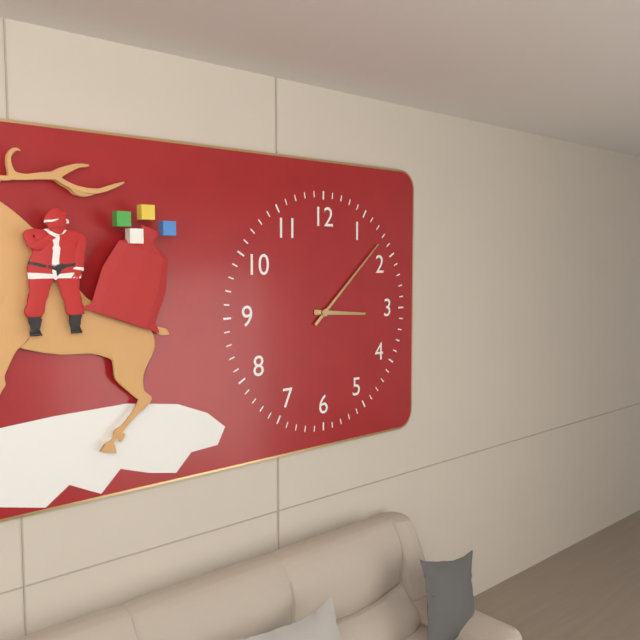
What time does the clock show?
3:08
